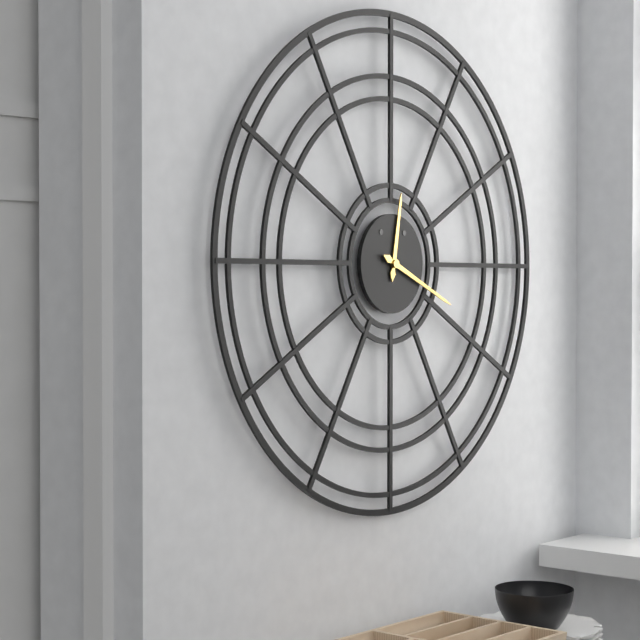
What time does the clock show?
12:19
